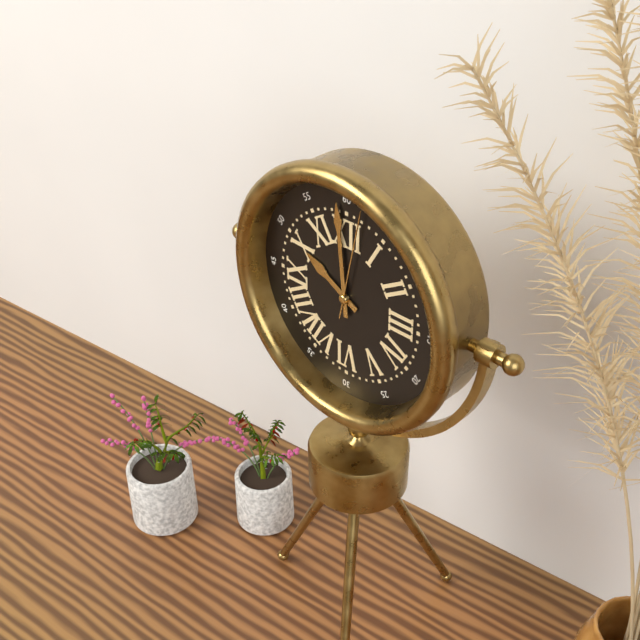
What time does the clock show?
9:59:02
